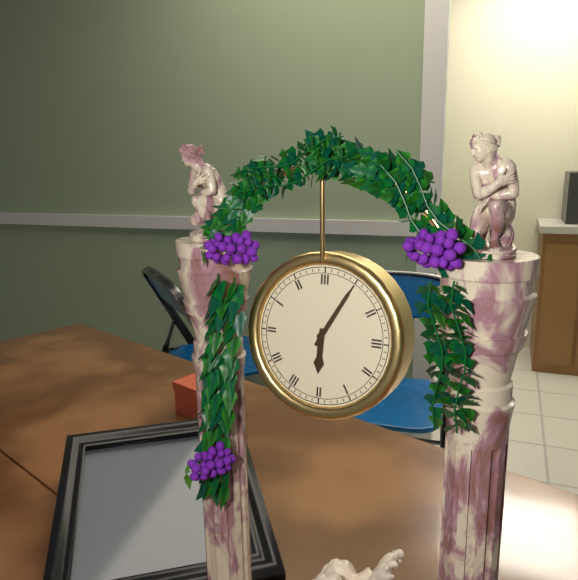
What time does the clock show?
6:05
